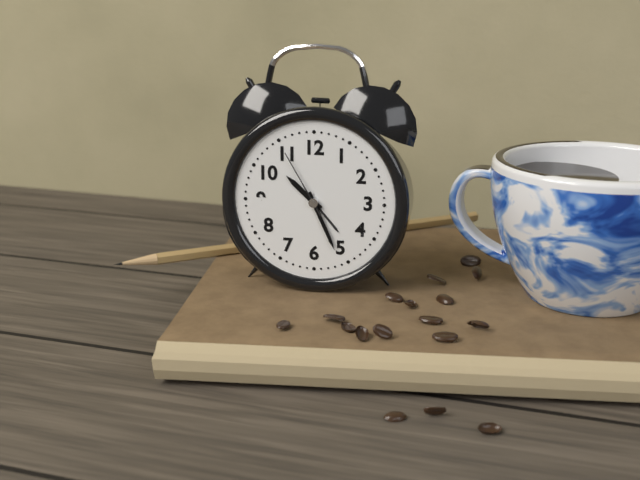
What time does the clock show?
10:26:55
